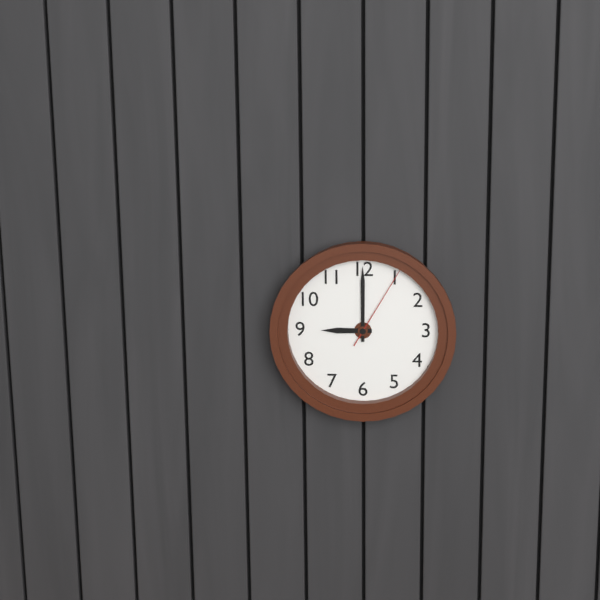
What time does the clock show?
9:00:05
